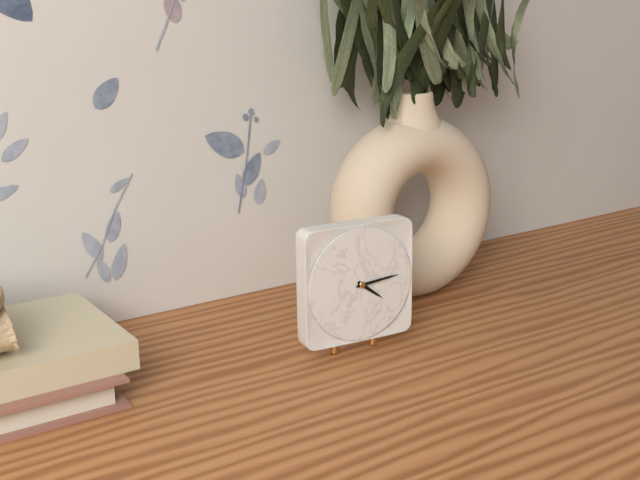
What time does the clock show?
4:14
